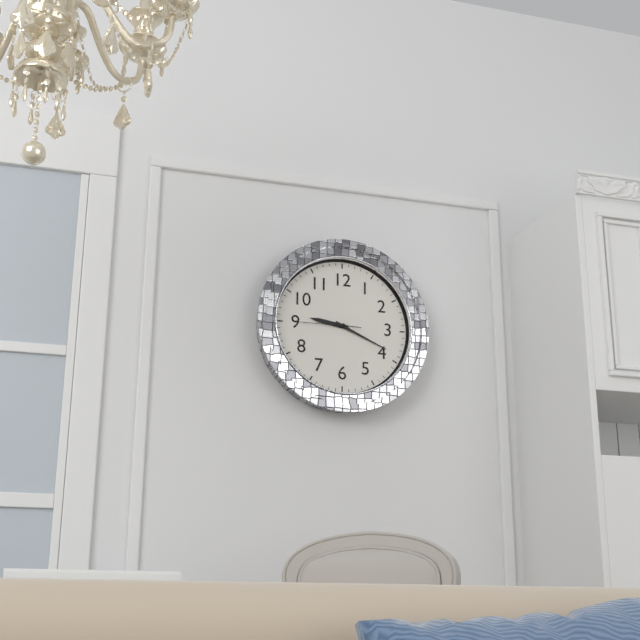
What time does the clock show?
9:19:45
